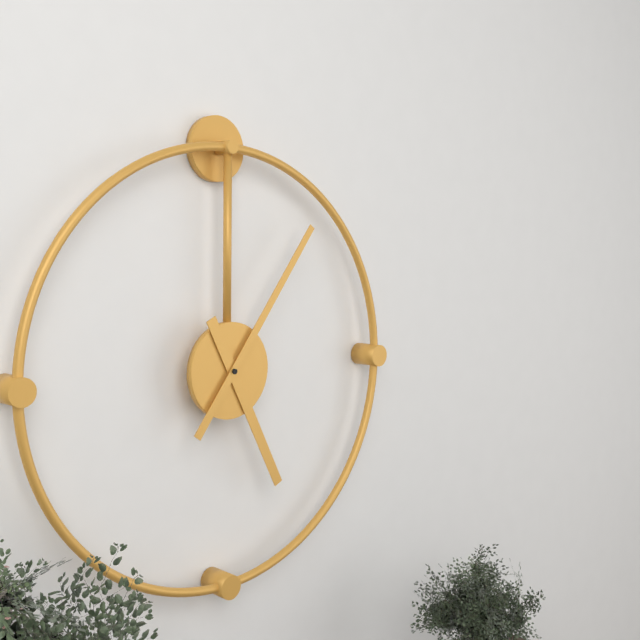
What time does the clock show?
5:06
